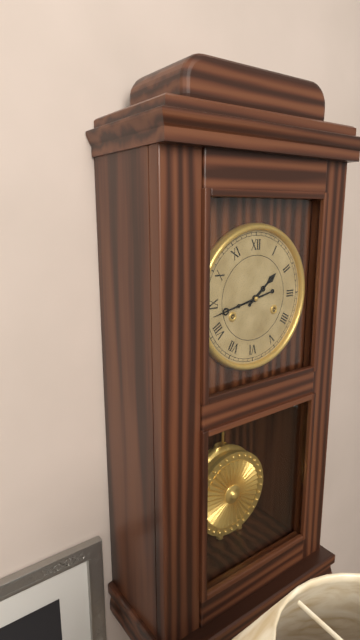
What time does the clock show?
1:43
